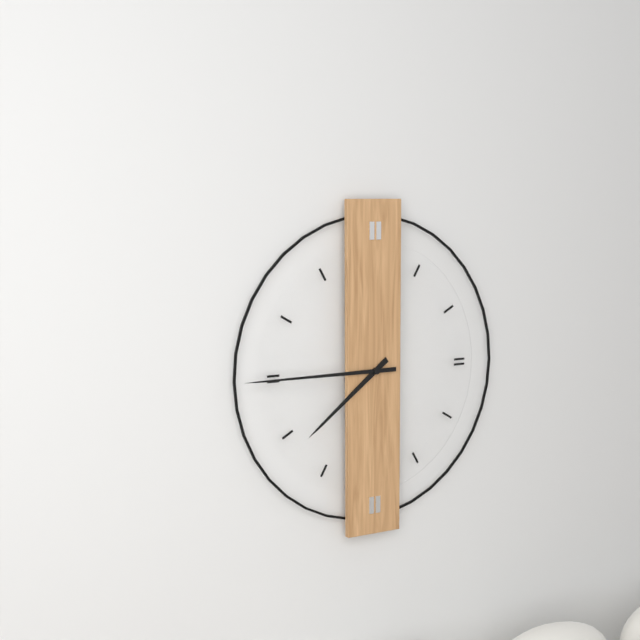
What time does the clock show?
7:45
